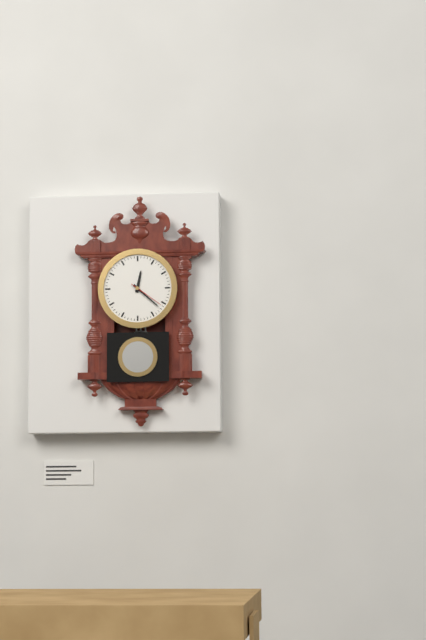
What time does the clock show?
12:22
